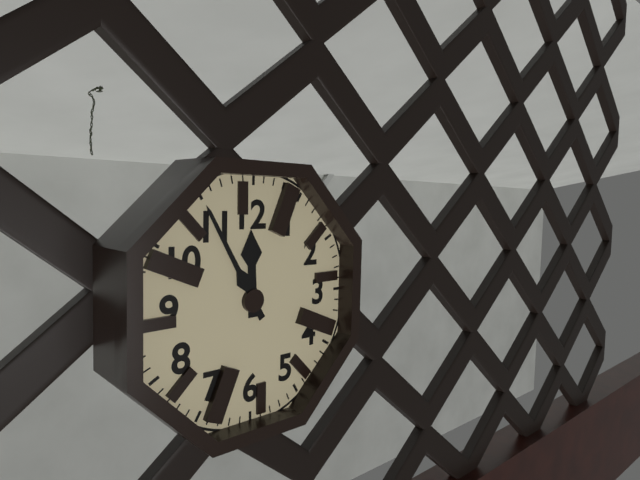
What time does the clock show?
11:55
